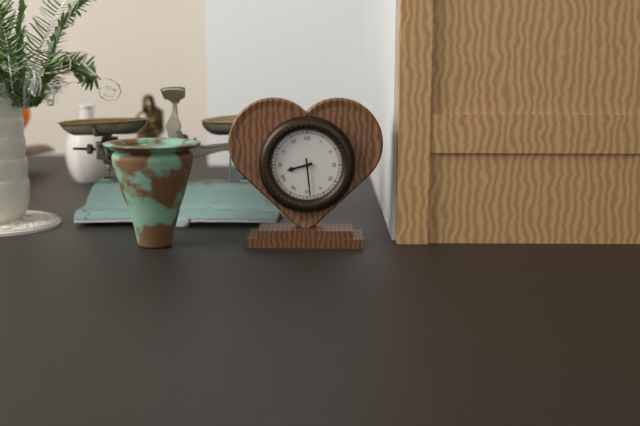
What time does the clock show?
8:29
